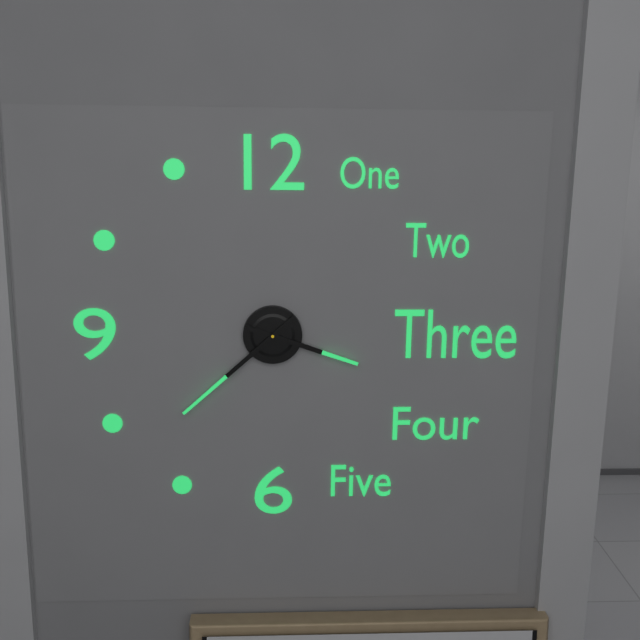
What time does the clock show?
3:38
